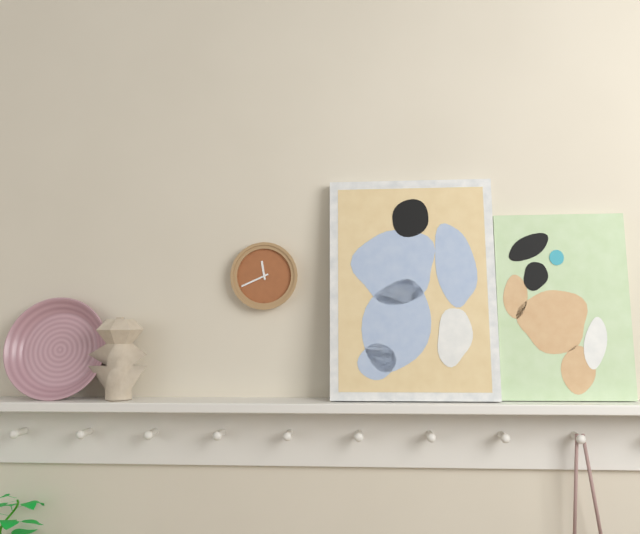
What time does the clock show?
11:41
